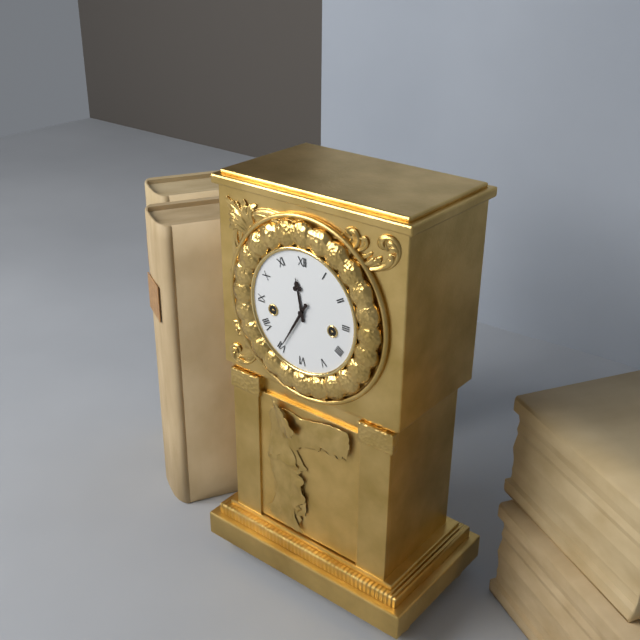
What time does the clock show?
11:35
